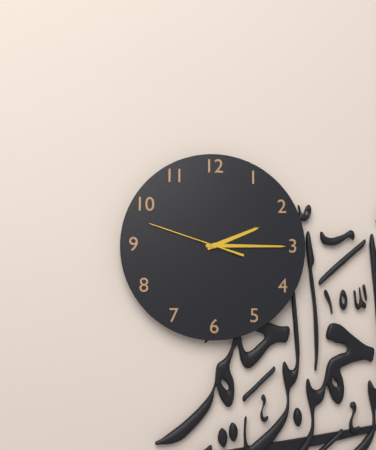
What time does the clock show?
2:15:48
